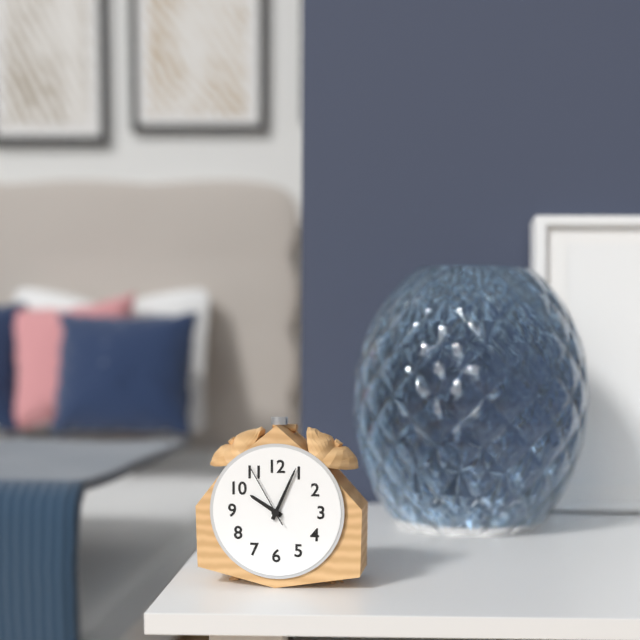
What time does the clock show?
10:04:55
